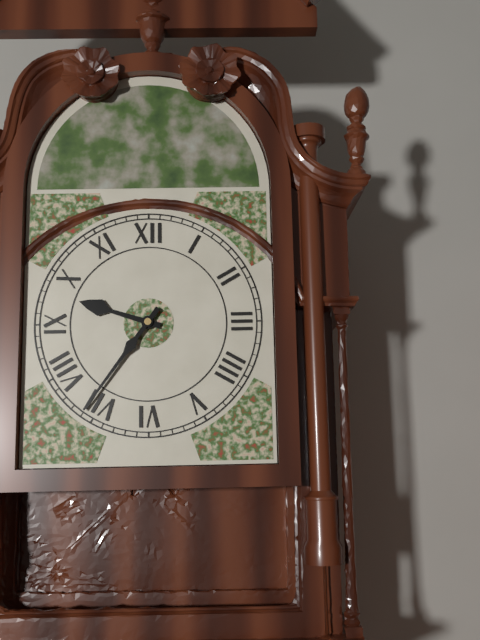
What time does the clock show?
9:36
